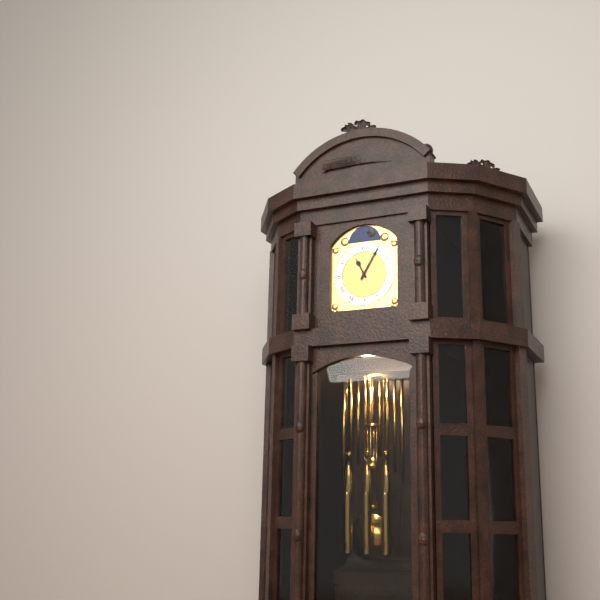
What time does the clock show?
11:05
